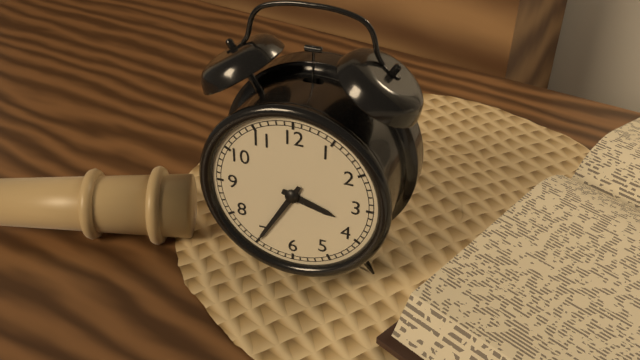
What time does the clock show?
3:35
